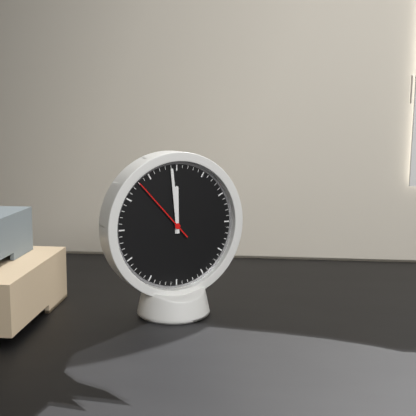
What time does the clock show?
11:59:53
